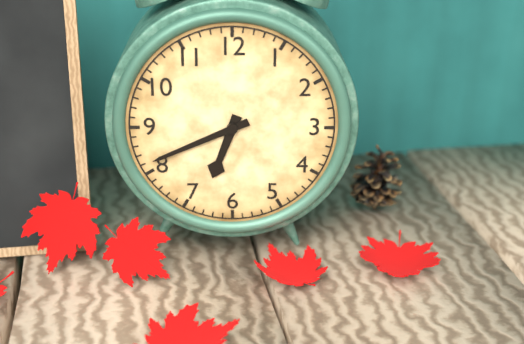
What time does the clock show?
6:41
